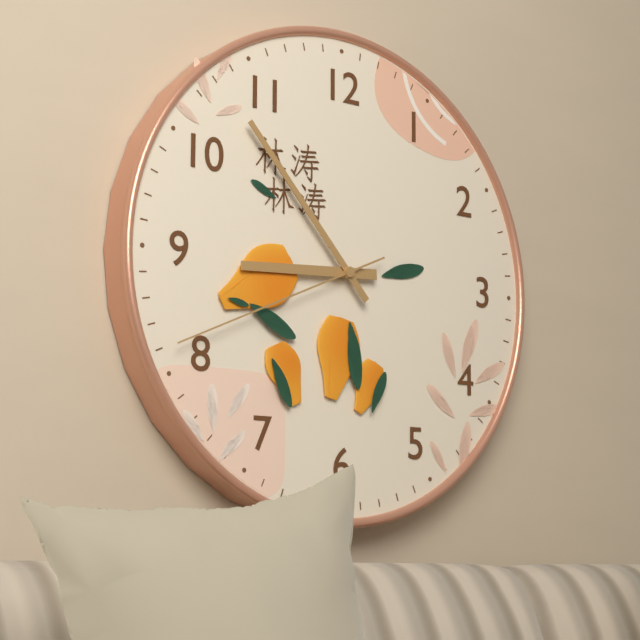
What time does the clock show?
8:53:41
